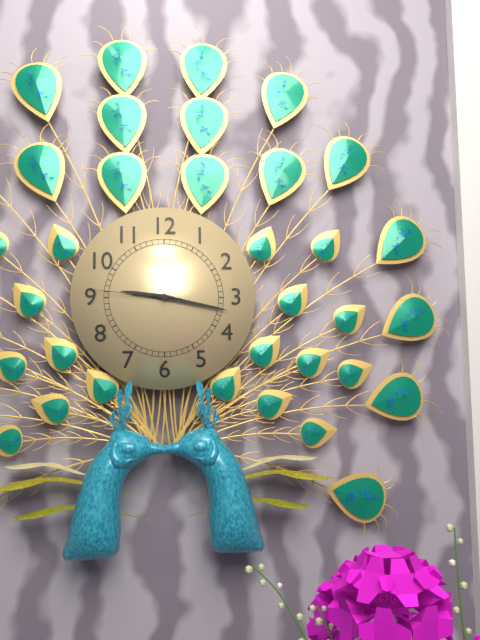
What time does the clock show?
9:17:46
